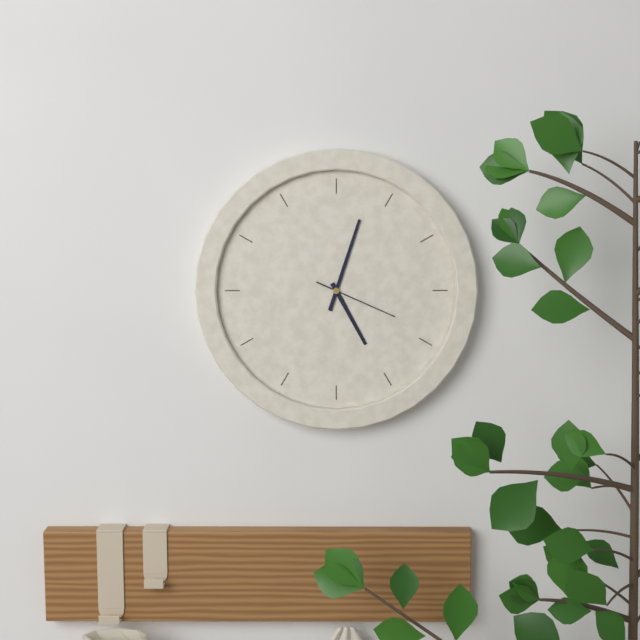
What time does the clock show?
5:03:19
